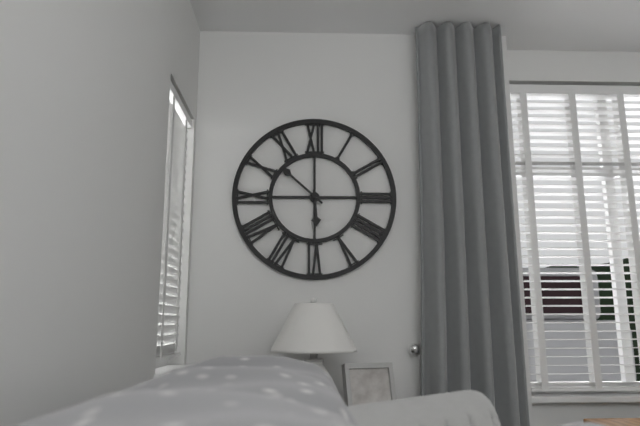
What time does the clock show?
5:52
